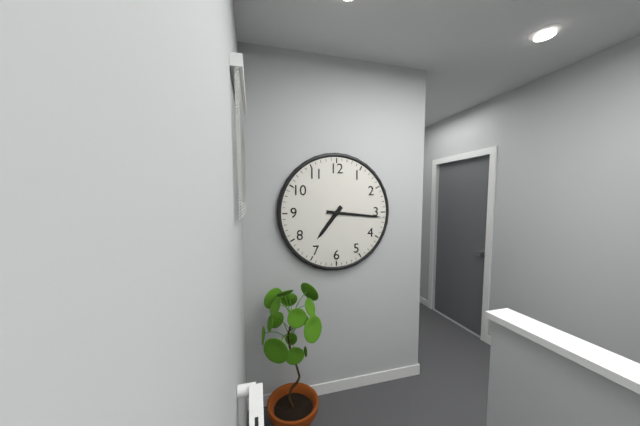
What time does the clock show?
7:16
